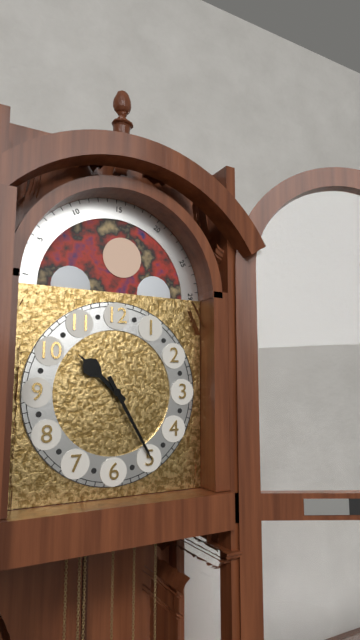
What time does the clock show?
10:25
